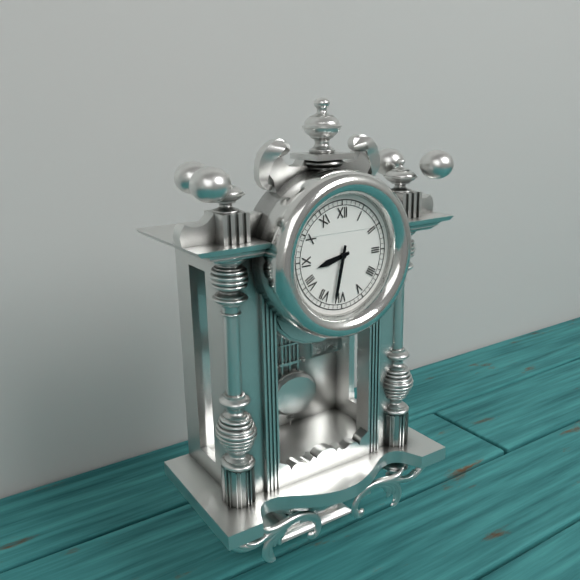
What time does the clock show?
8:32
